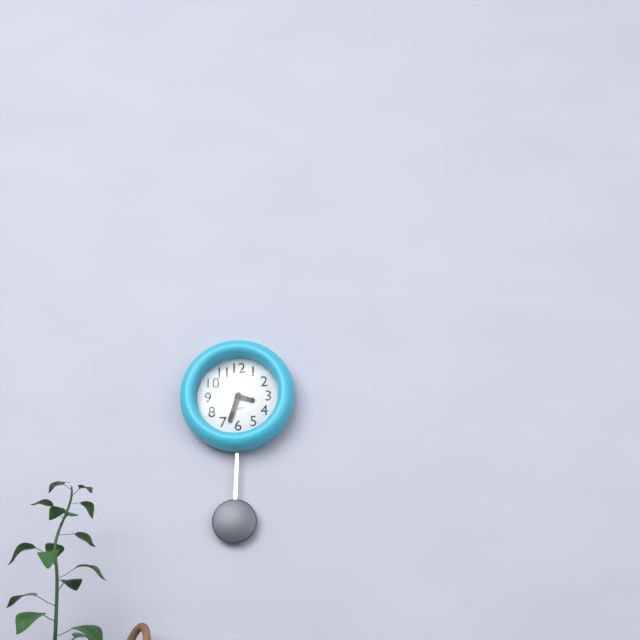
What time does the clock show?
3:33
